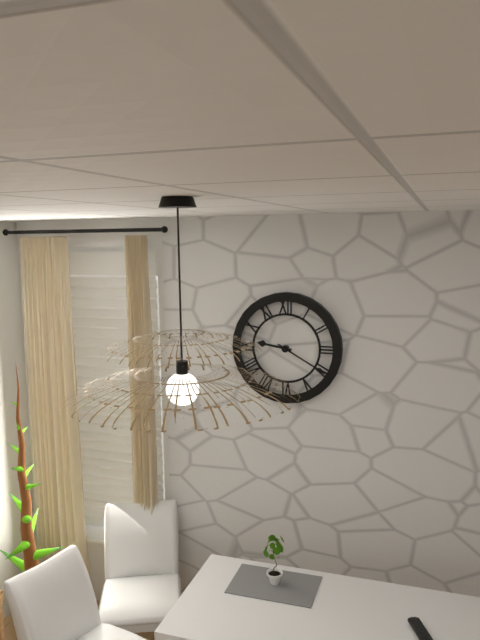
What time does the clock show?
9:20
